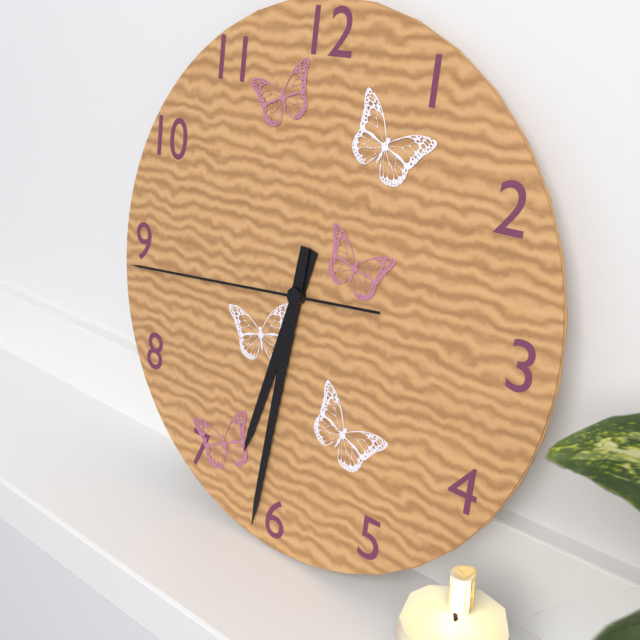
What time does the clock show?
6:31:44
